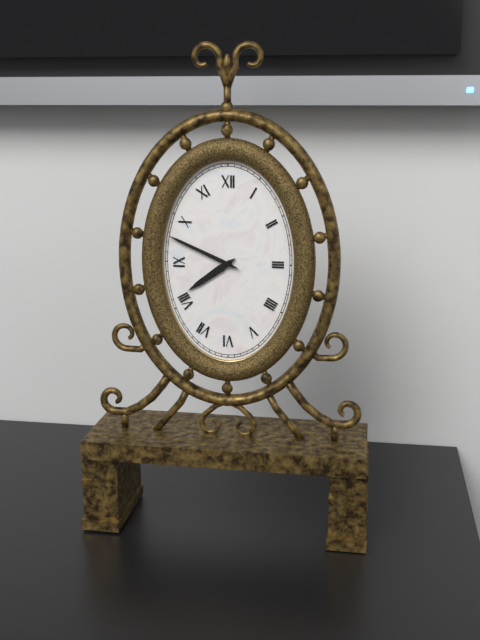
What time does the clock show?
7:49
